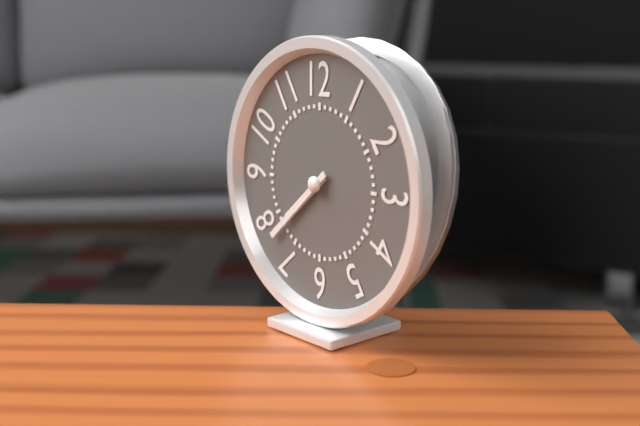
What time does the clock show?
7:38
